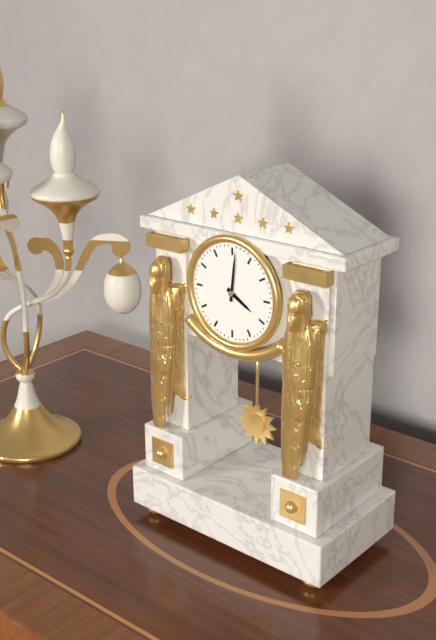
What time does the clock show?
4:01
